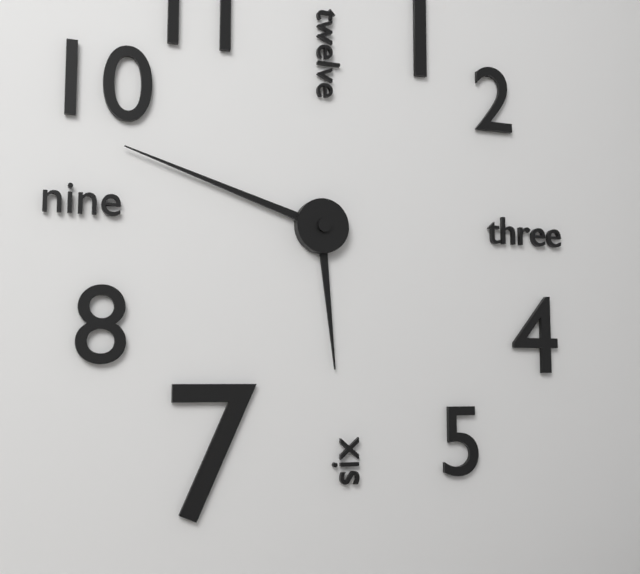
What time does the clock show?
5:48
